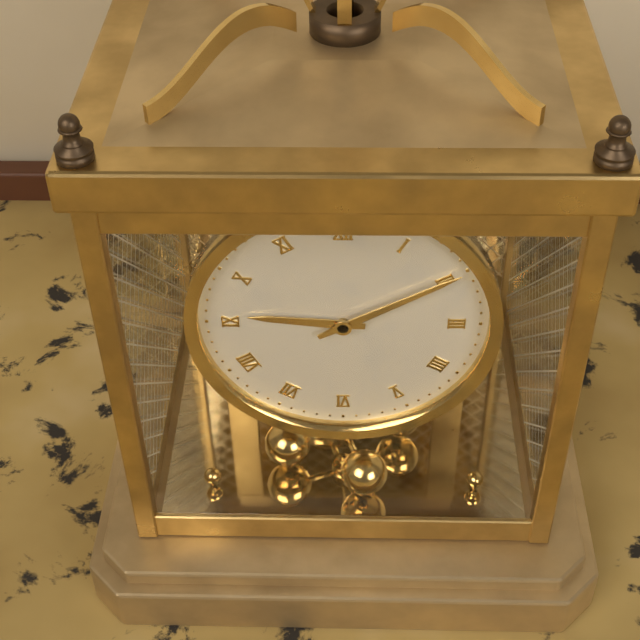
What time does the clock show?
9:10
